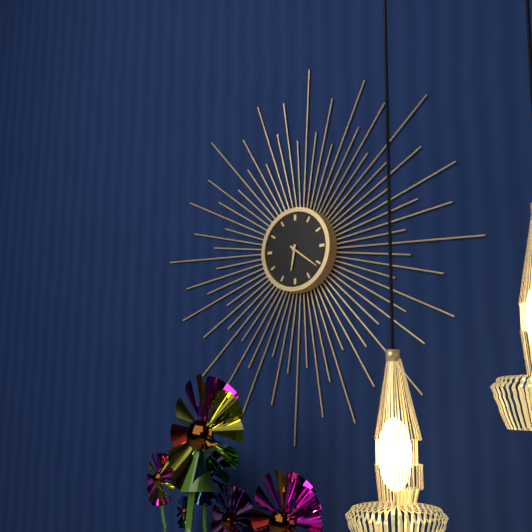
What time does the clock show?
6:21
